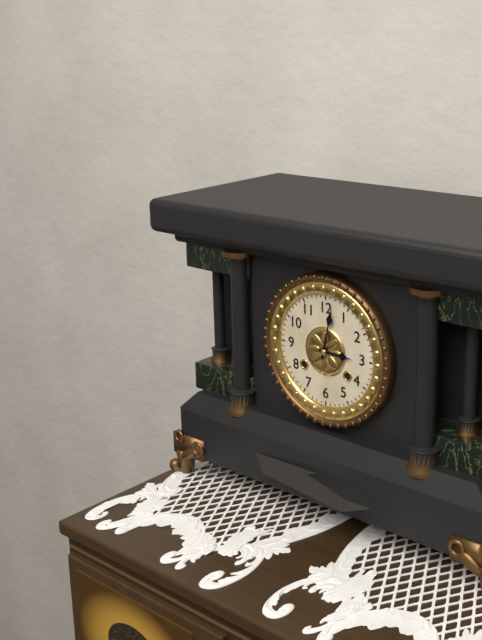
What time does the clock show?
3:02
